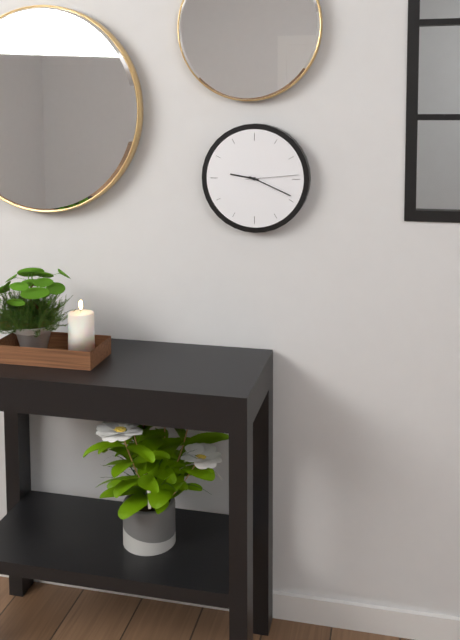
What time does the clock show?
9:19:14
